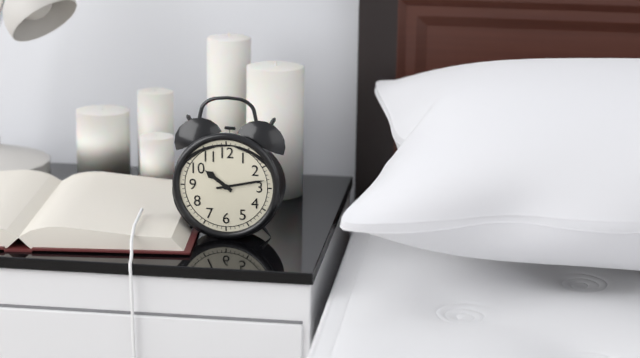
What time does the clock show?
10:13
